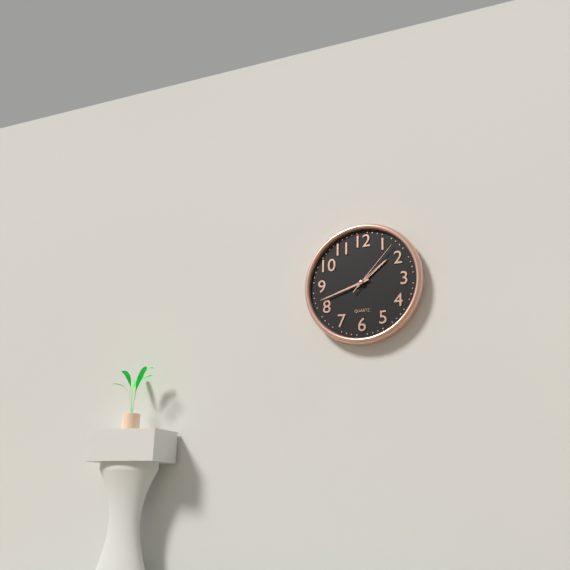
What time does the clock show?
1:42:07
